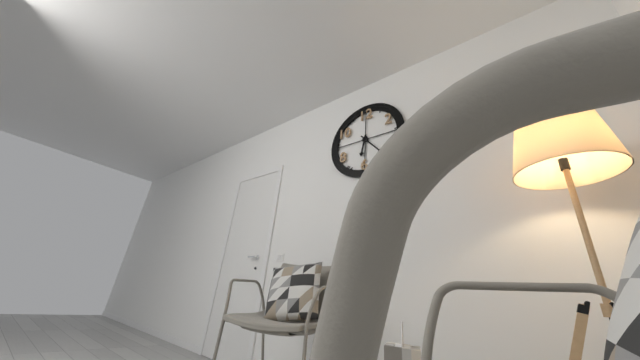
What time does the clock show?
6:23
